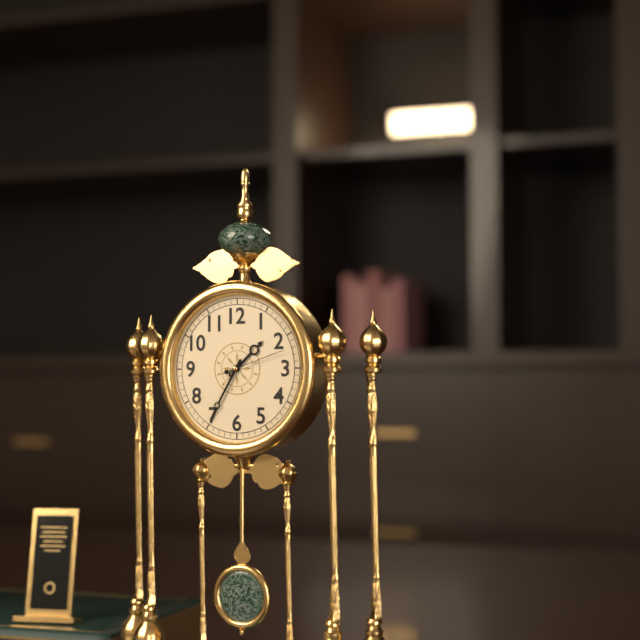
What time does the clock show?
1:35:12
